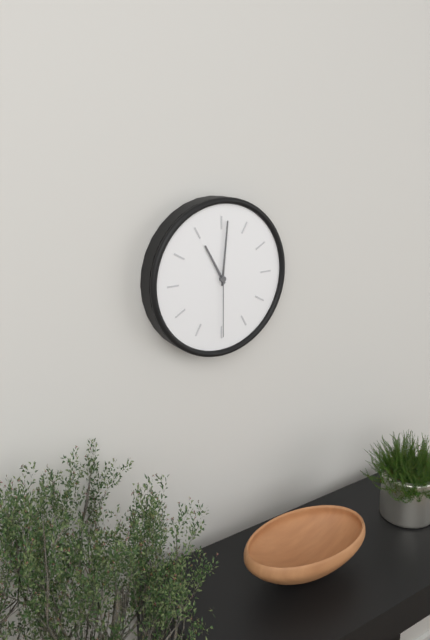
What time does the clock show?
11:01:30
